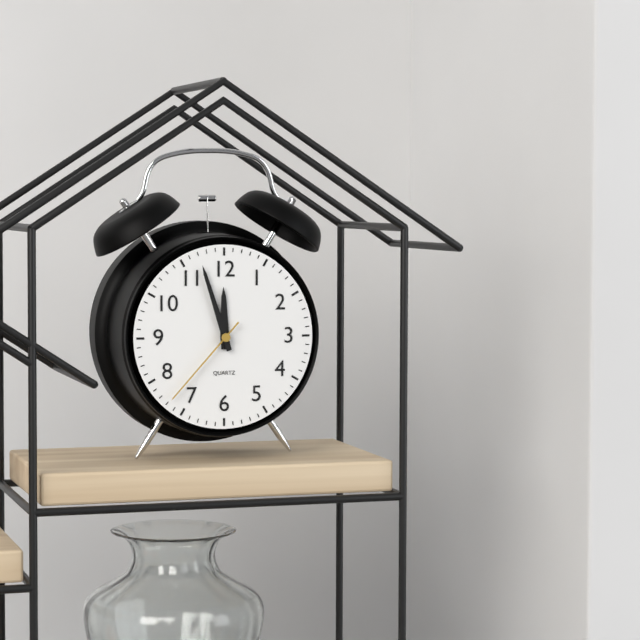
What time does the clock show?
11:57:37
